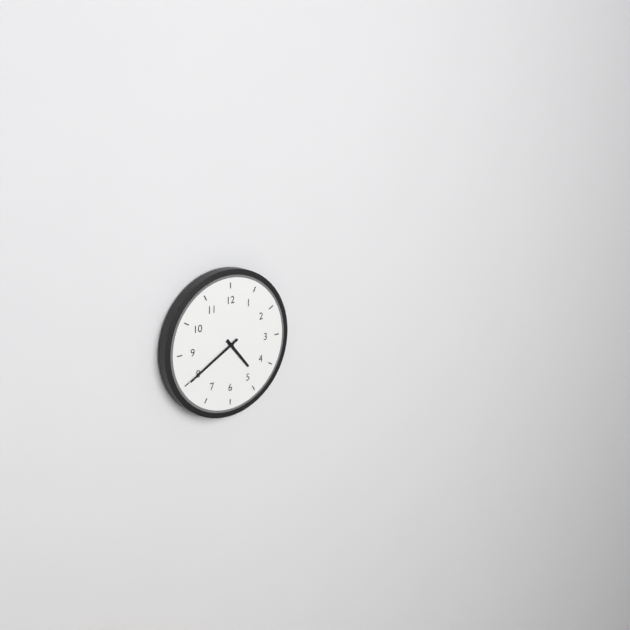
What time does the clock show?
4:40
